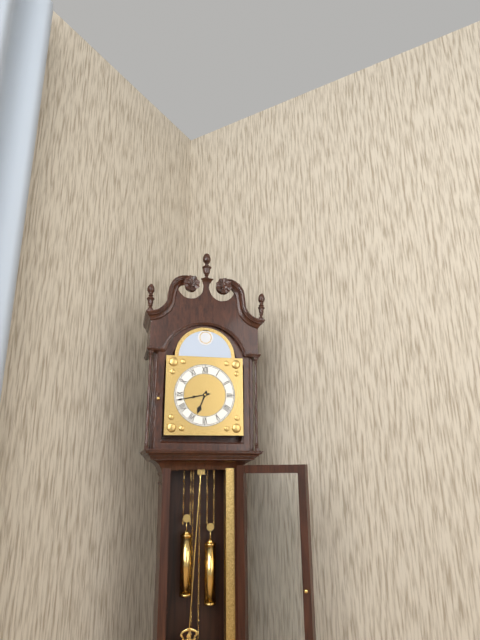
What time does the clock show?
6:43
